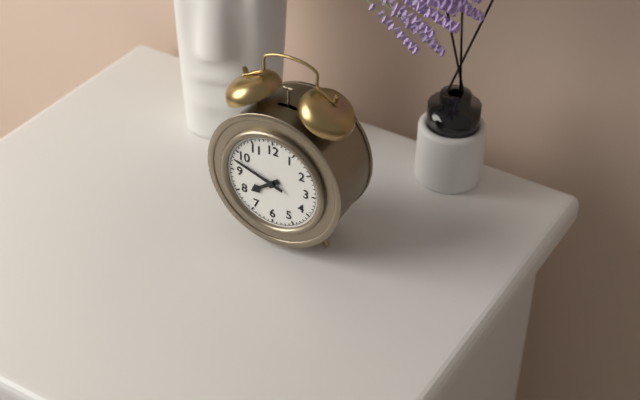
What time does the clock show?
7:48
